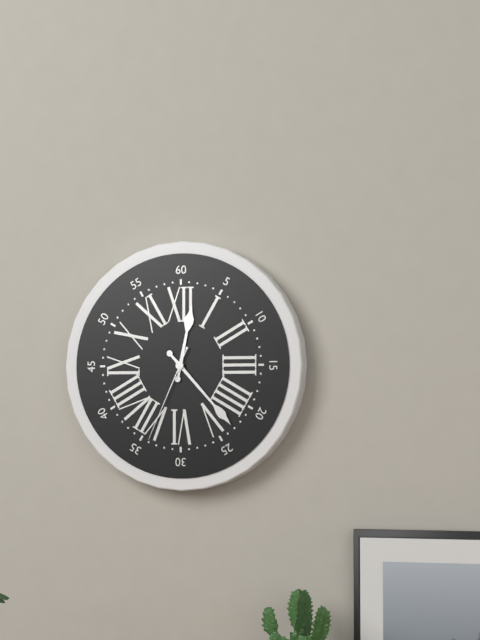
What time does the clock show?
12:23:34
